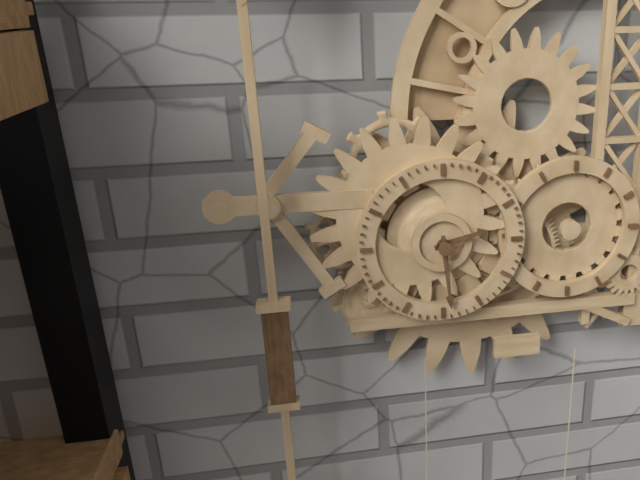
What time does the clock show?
2:29
